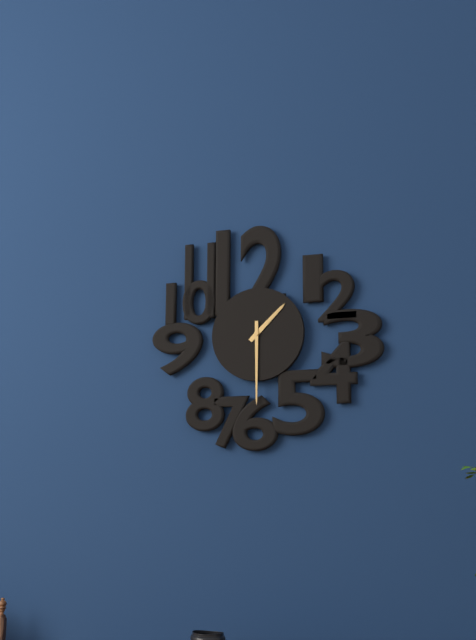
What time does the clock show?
1:30
